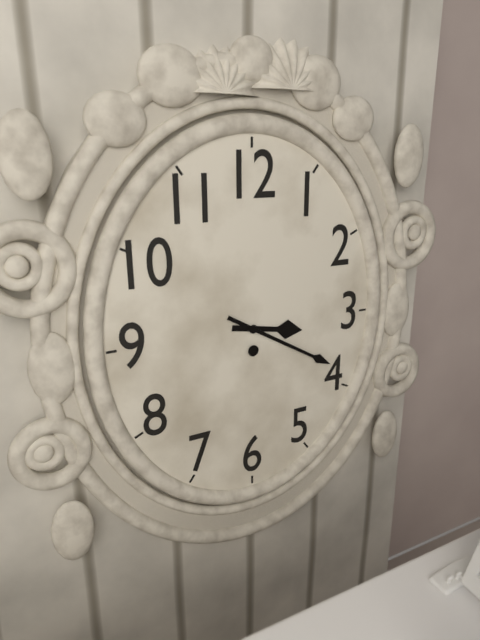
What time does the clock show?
3:20
